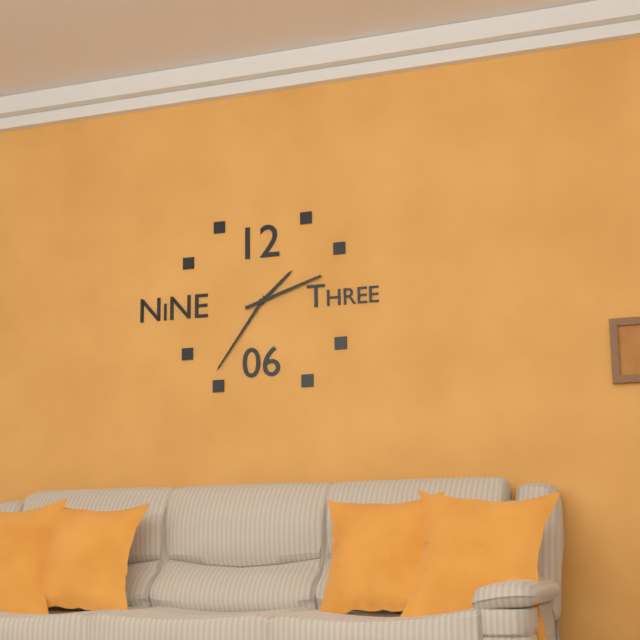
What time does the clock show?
1:36:12
